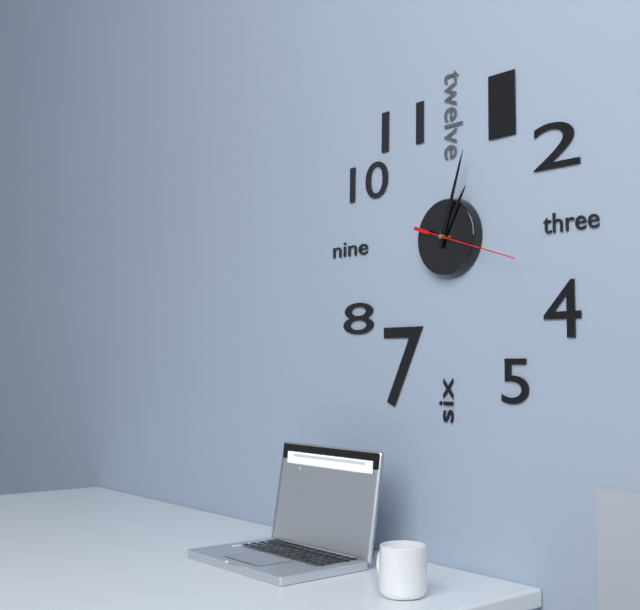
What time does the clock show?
1:03:18
